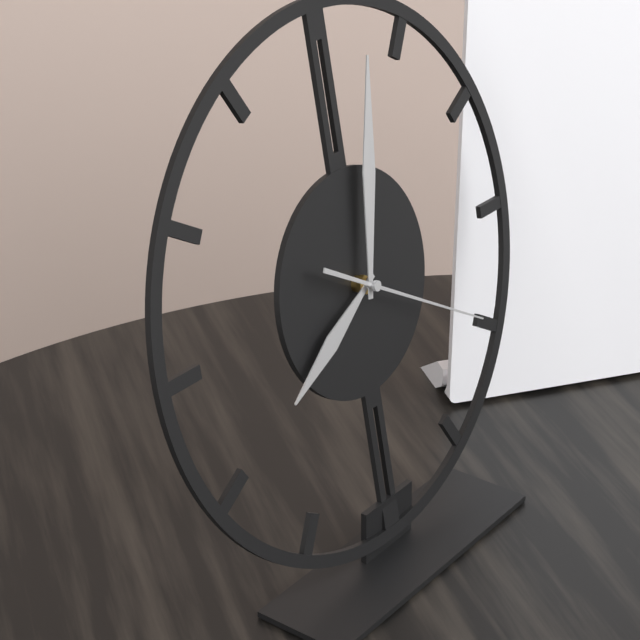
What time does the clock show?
8:02:20
